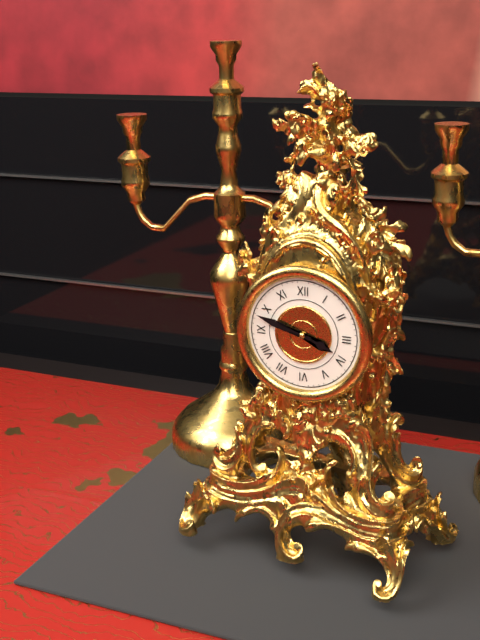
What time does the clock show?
3:48
